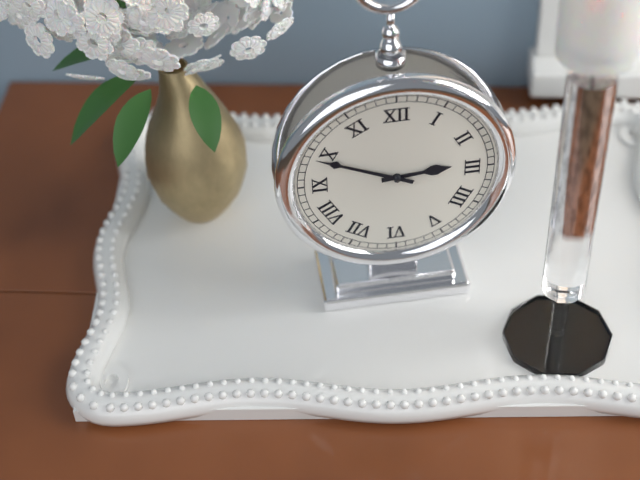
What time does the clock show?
2:49
